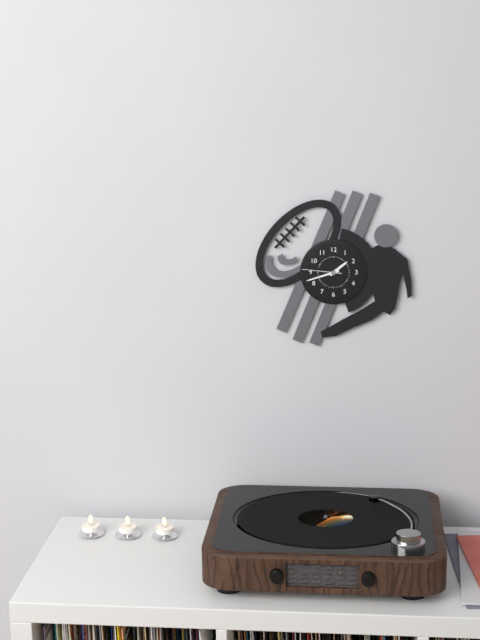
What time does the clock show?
1:42
